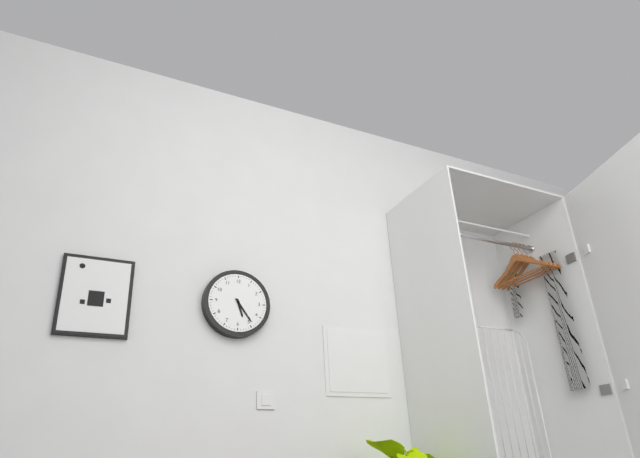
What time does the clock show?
5:24
